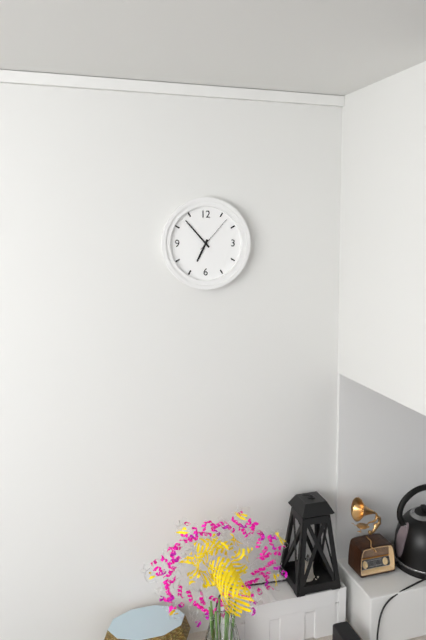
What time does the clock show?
6:53
